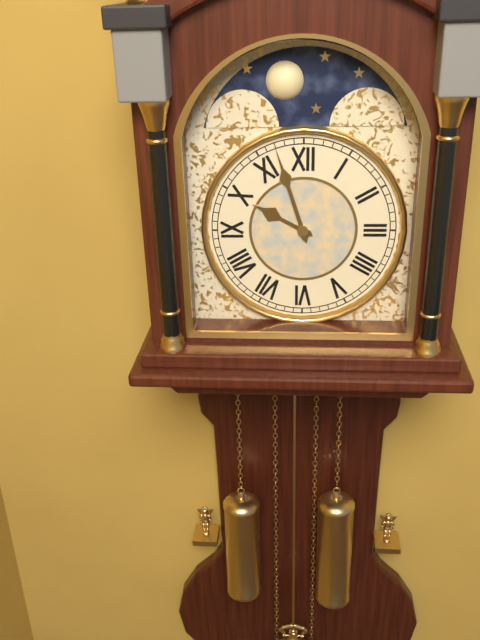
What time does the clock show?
9:57
